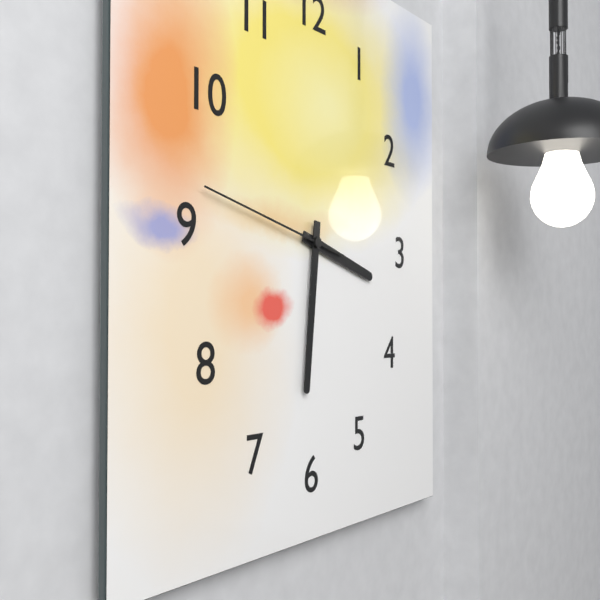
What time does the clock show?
3:31:47
